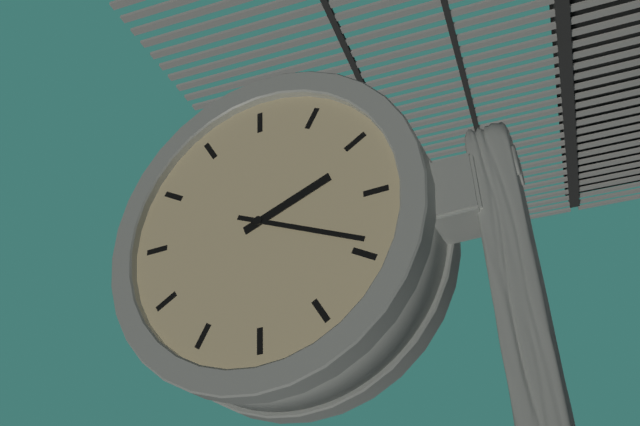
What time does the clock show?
2:19
